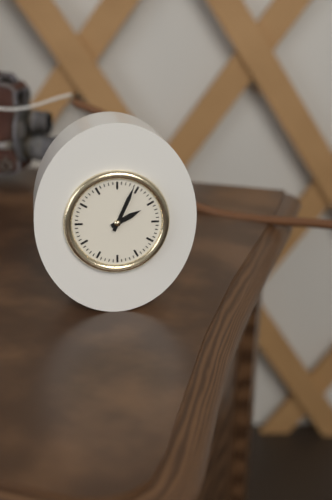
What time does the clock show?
2:04
